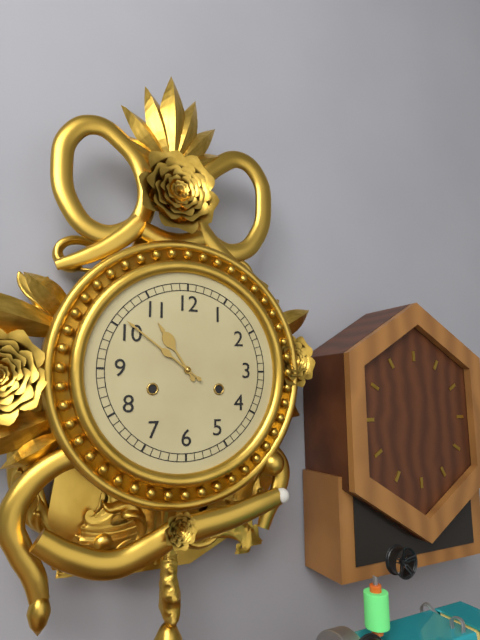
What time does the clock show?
10:51
